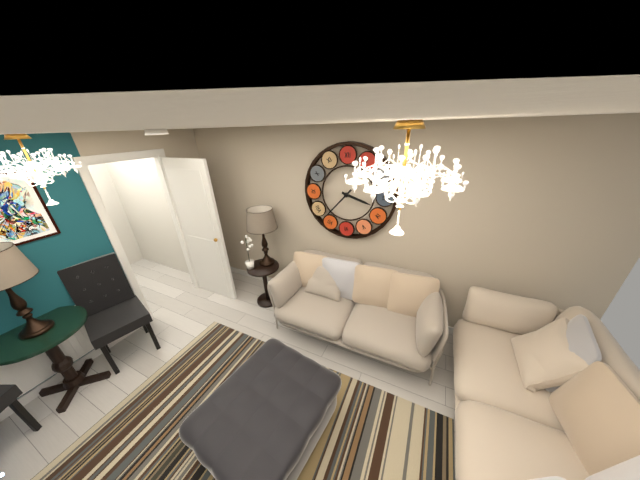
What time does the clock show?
3:37
